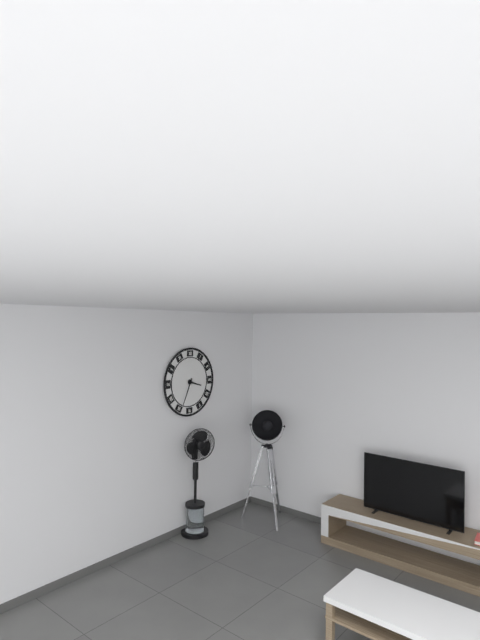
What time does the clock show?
3:34
